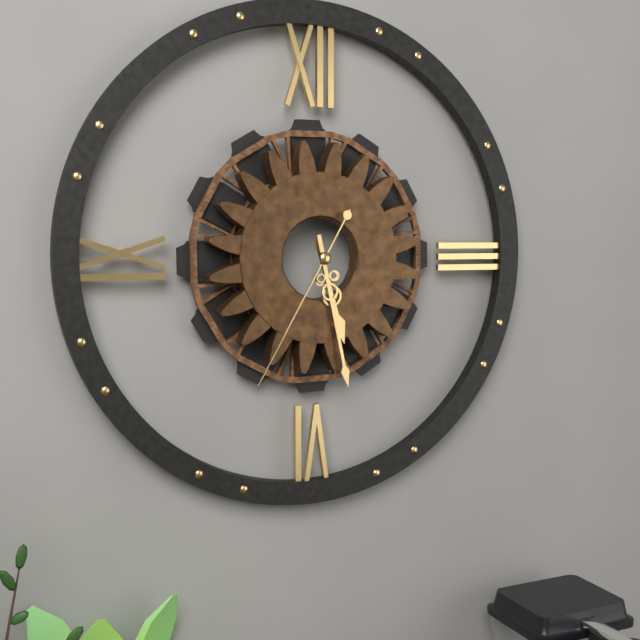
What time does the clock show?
5:28:35
